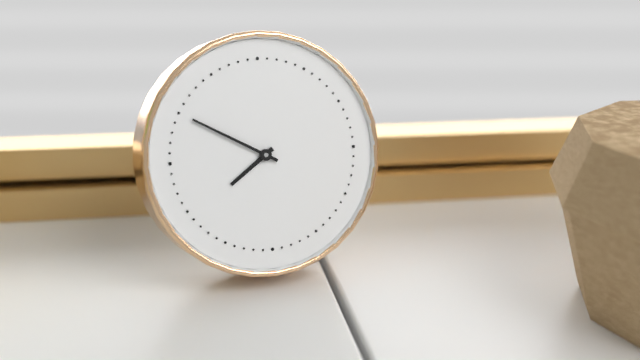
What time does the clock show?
7:50
